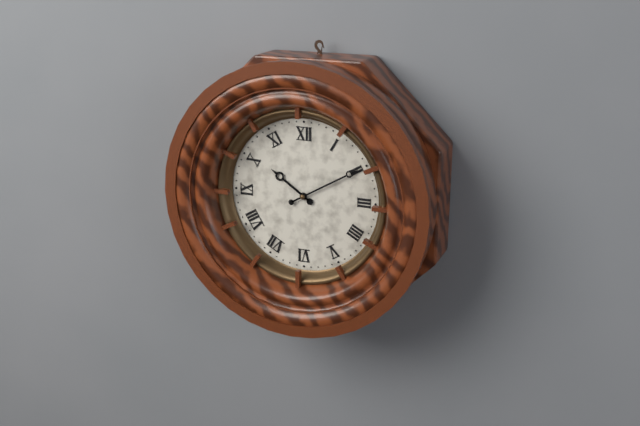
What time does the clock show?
10:10
